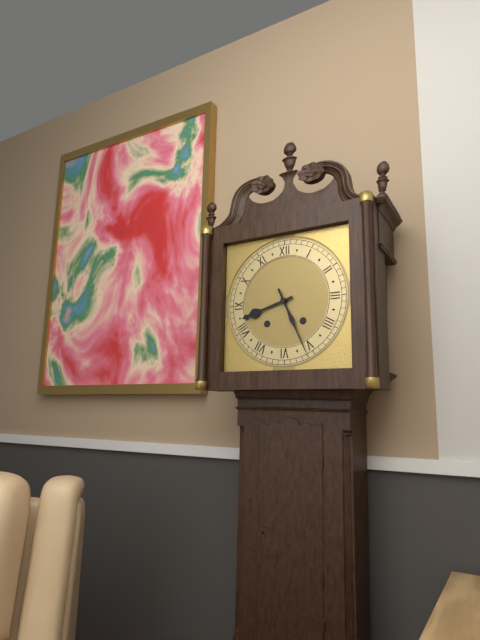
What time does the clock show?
8:26
